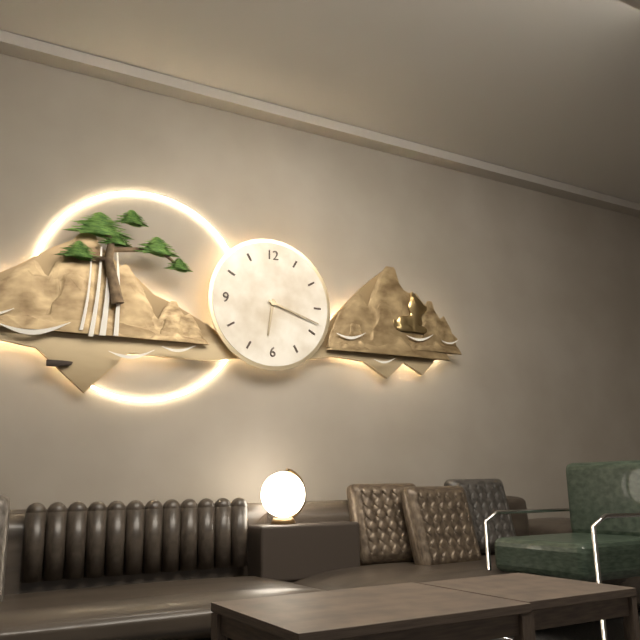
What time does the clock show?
6:18
